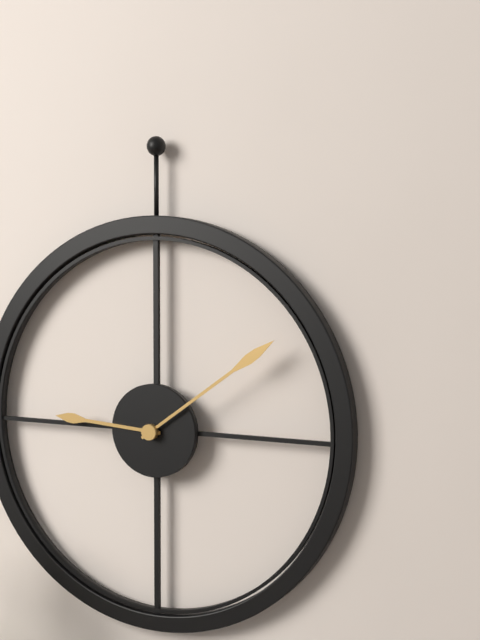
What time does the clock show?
9:09
